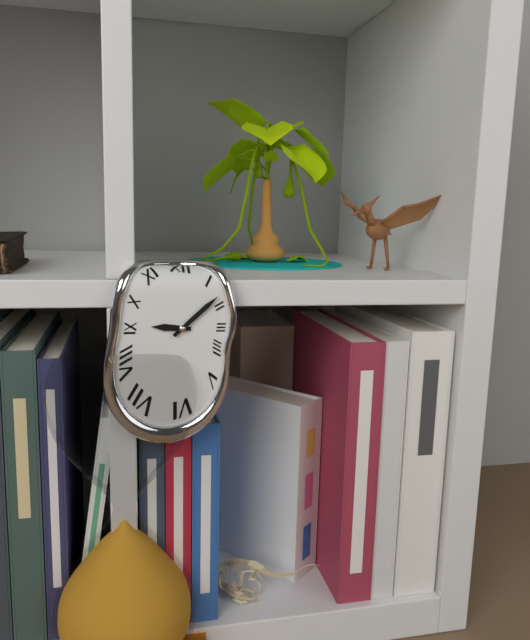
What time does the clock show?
9:08
